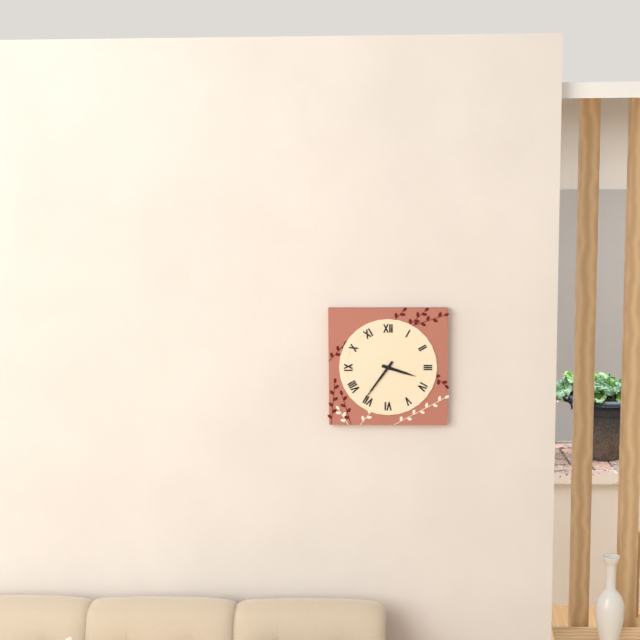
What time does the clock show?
3:36
